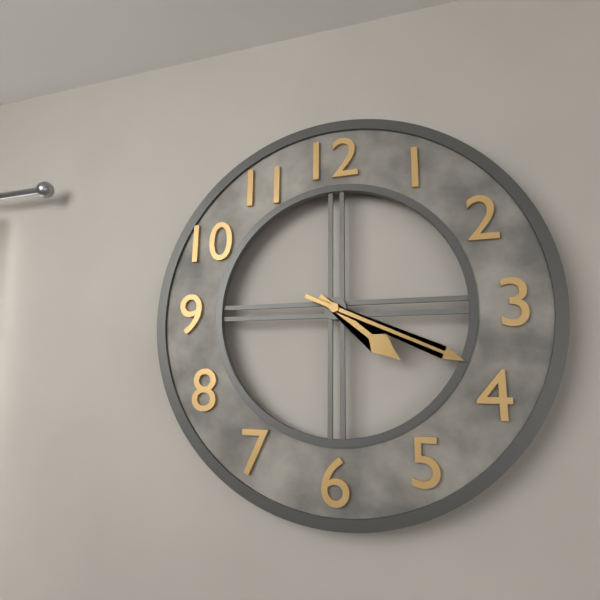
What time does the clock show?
4:19
